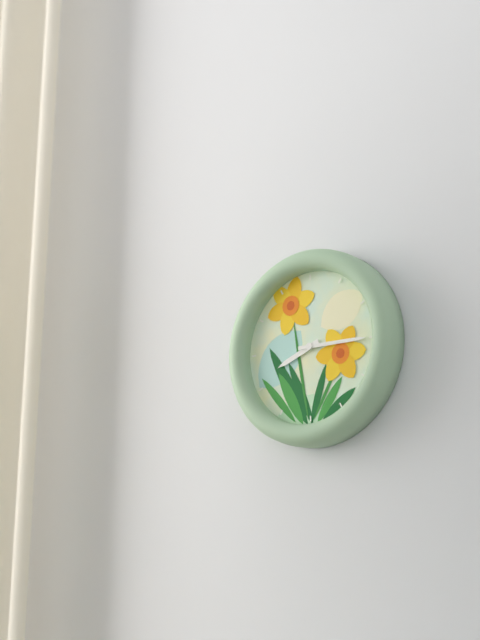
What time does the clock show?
8:15
